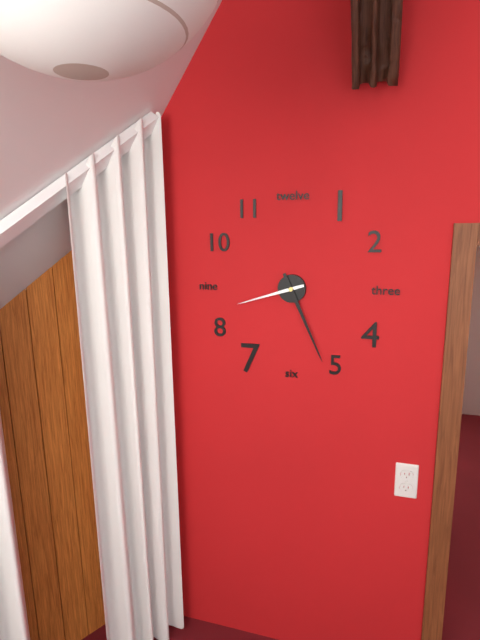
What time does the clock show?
8:26
